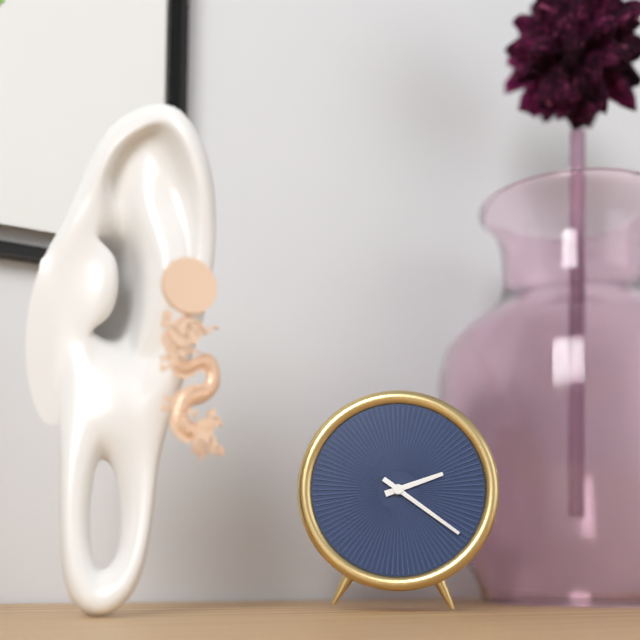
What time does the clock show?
2:21
